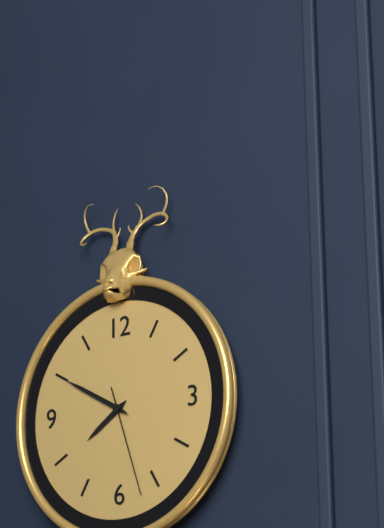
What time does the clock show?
7:50:27
